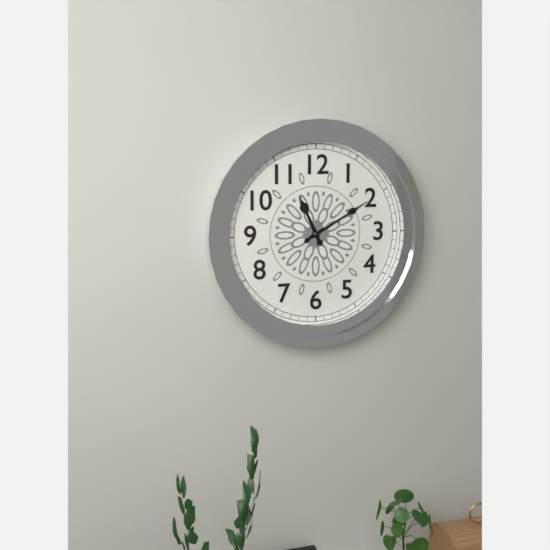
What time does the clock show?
11:10
